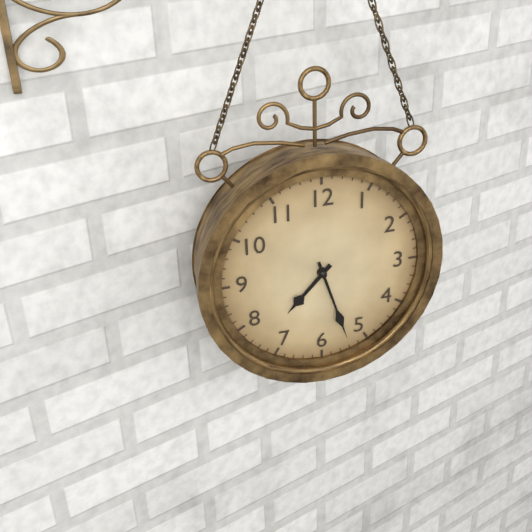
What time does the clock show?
7:27
